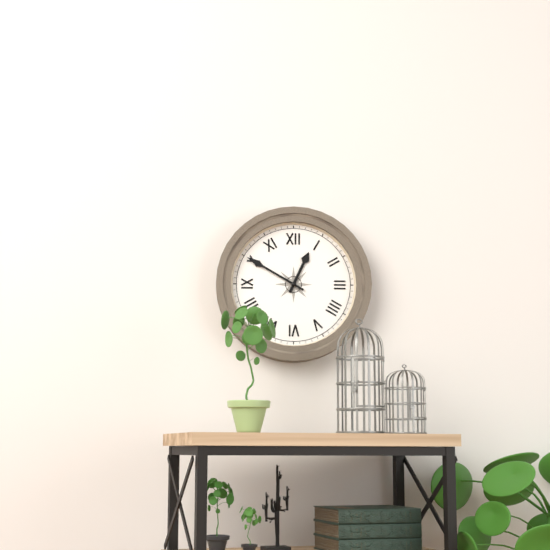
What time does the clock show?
12:50
